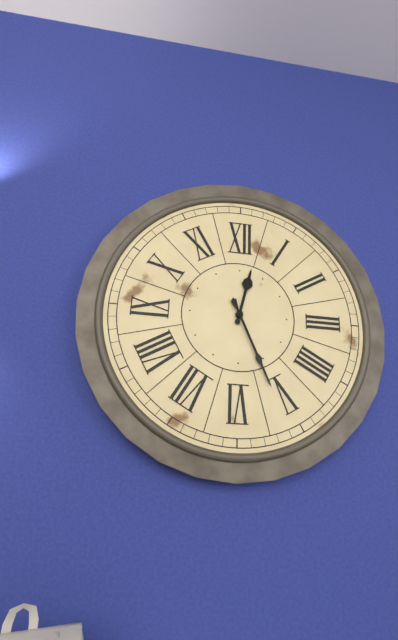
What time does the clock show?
12:26
